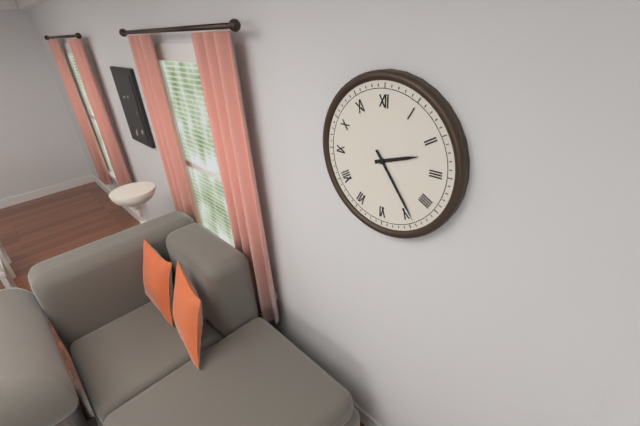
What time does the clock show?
2:24
